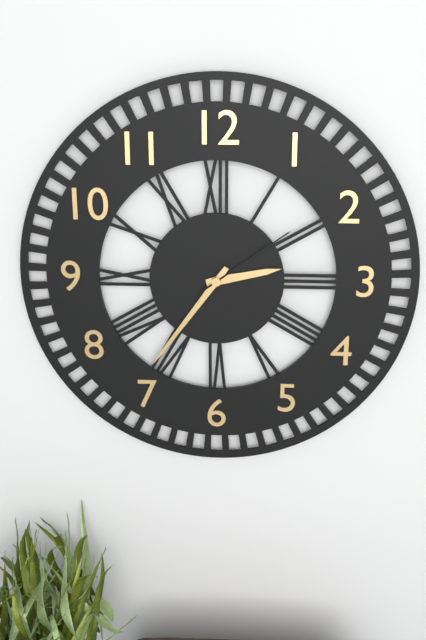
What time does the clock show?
2:36:09
